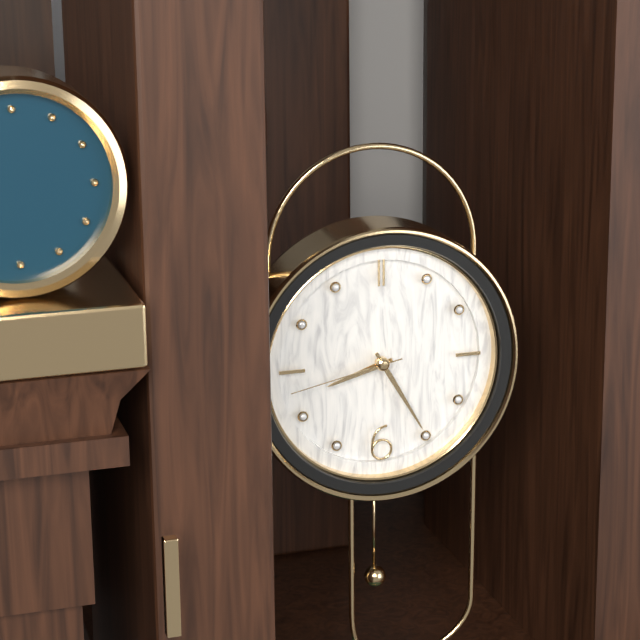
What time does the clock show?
8:25:43
